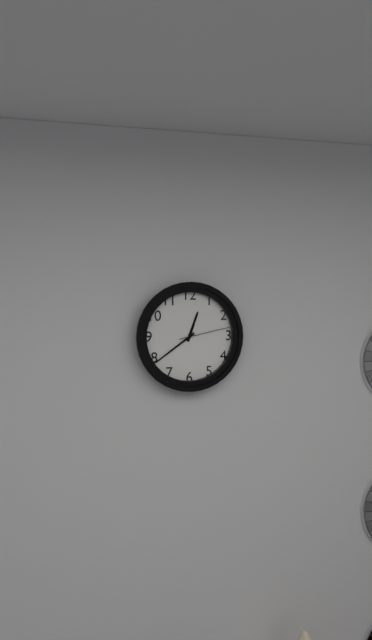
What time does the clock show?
12:39:13
